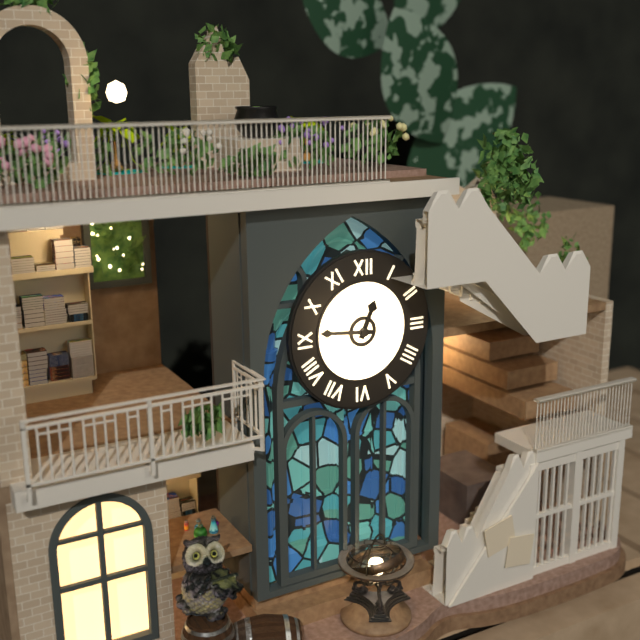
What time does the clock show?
12:46
